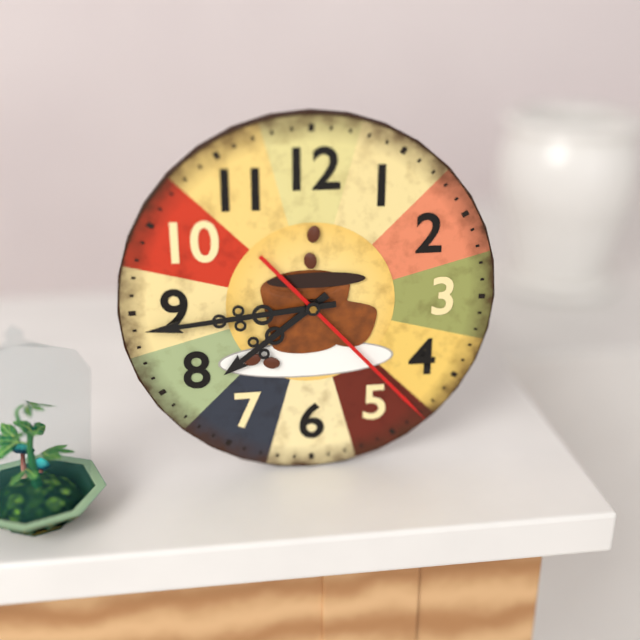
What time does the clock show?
7:44:23
